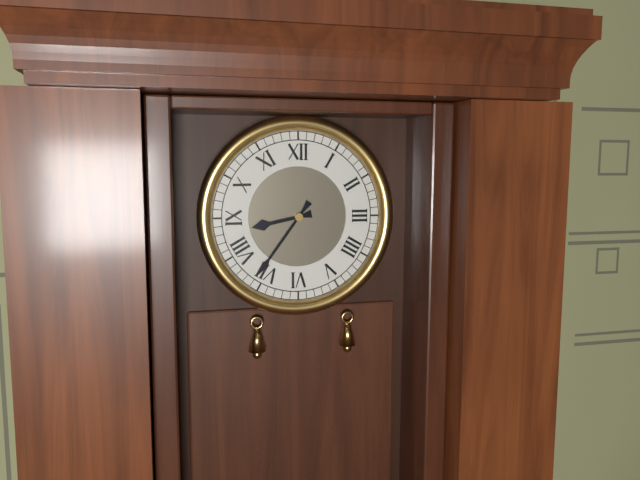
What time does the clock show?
8:36
